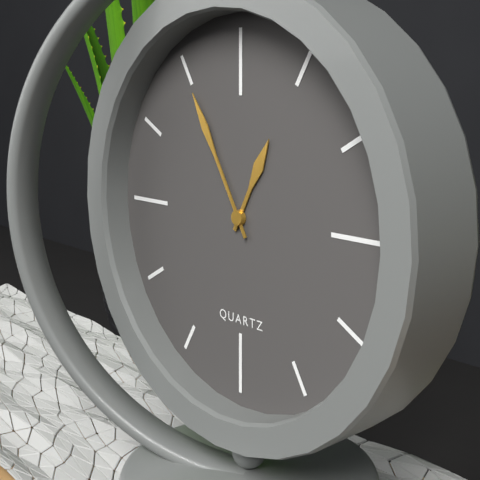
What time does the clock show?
12:55
